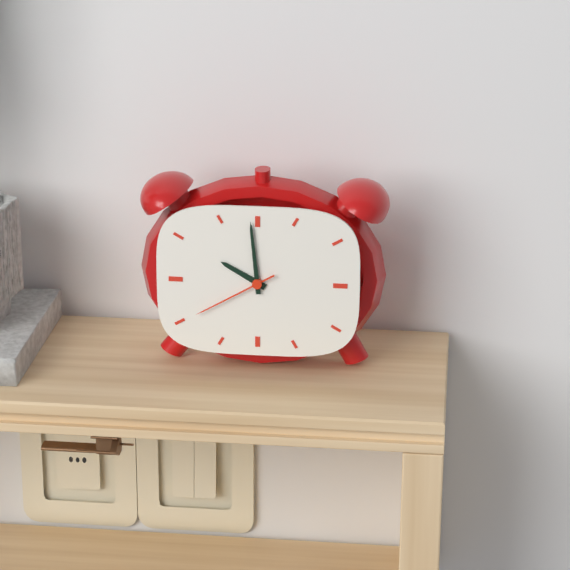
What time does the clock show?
9:59:40
